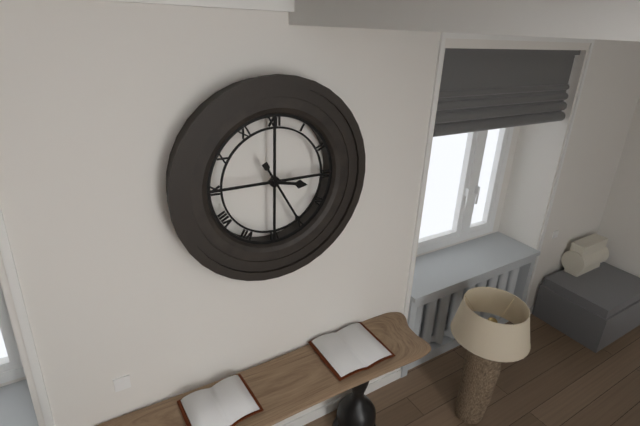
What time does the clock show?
3:25
